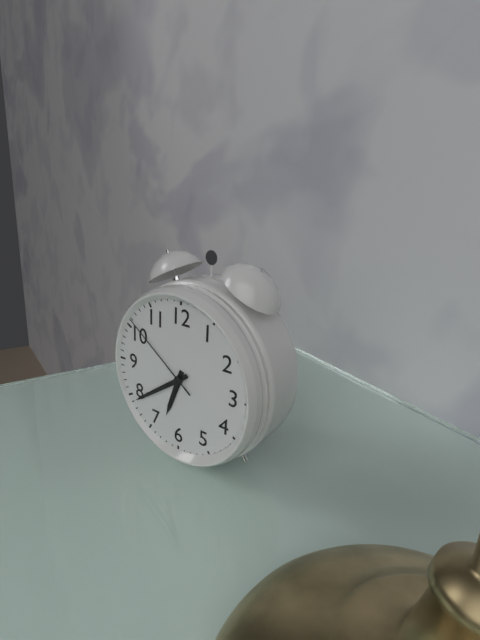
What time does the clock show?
6:39:51
